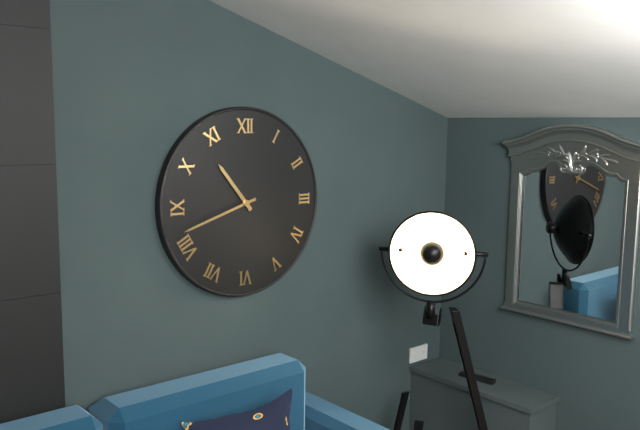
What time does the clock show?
10:42
